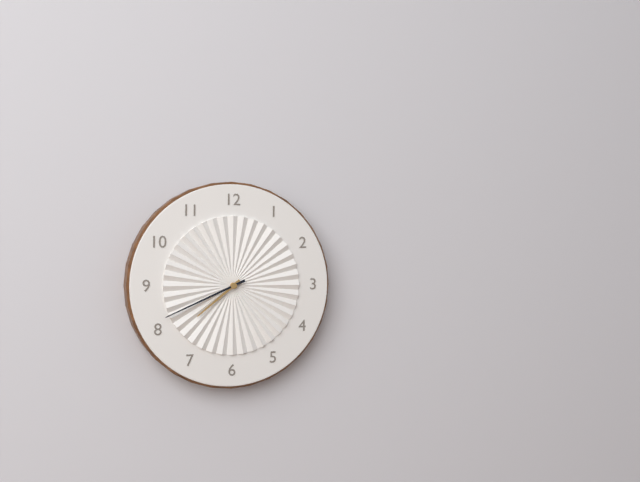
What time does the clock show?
7:41
